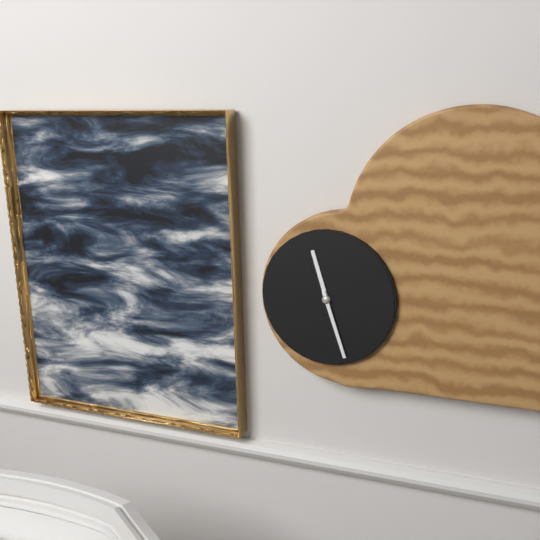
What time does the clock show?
11:27
